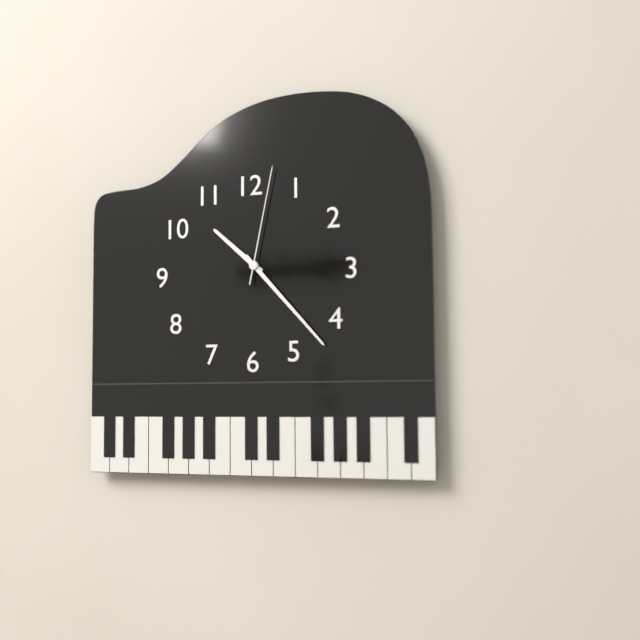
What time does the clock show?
10:23:02
